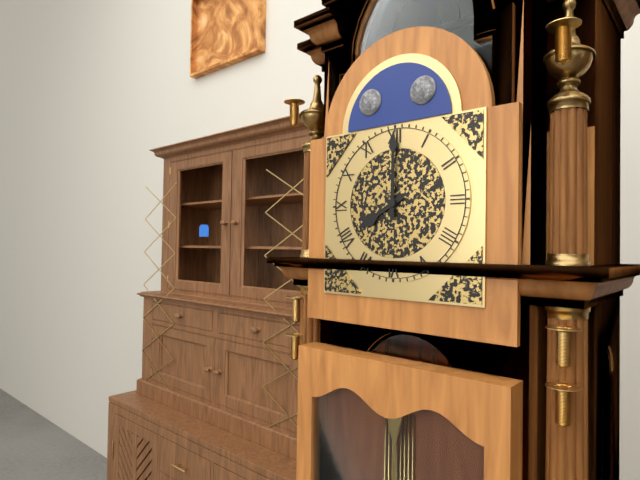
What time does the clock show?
8:00
